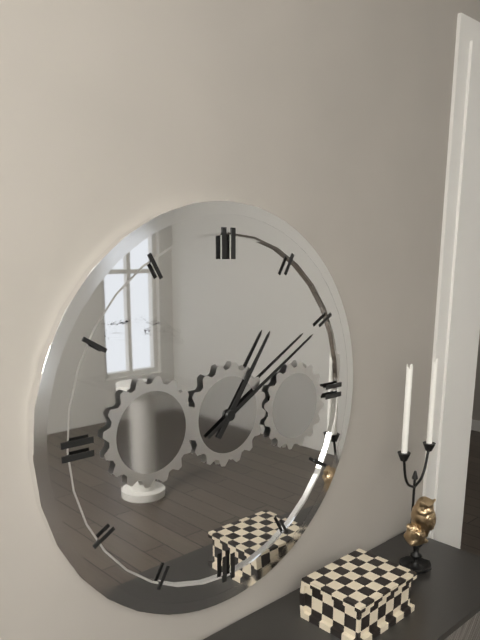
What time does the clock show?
1:10
